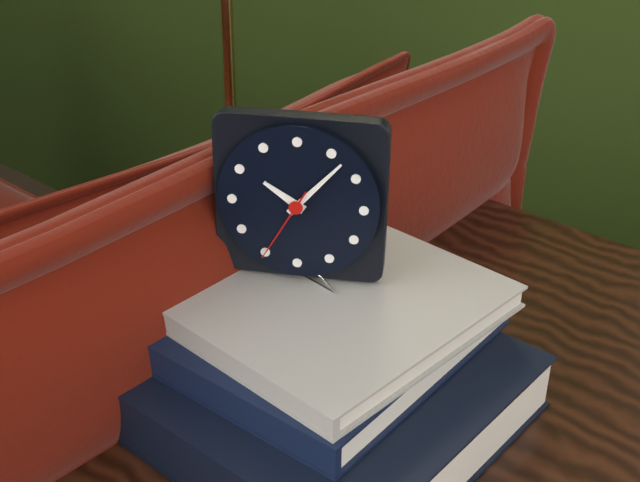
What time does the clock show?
10:07:35
